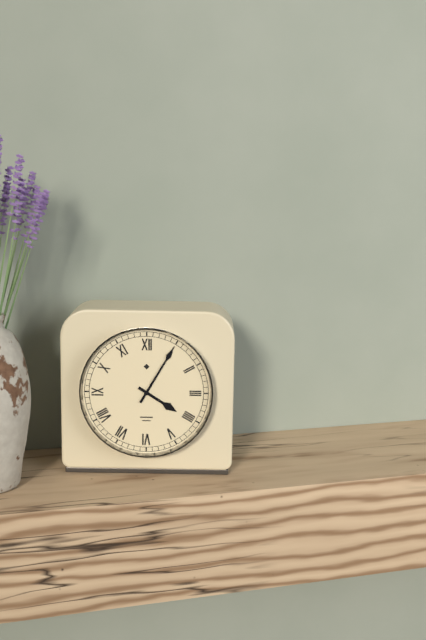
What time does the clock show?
4:05
